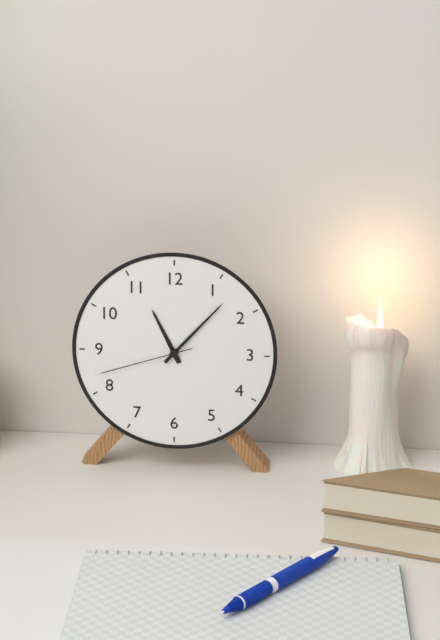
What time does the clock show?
11:07:42
